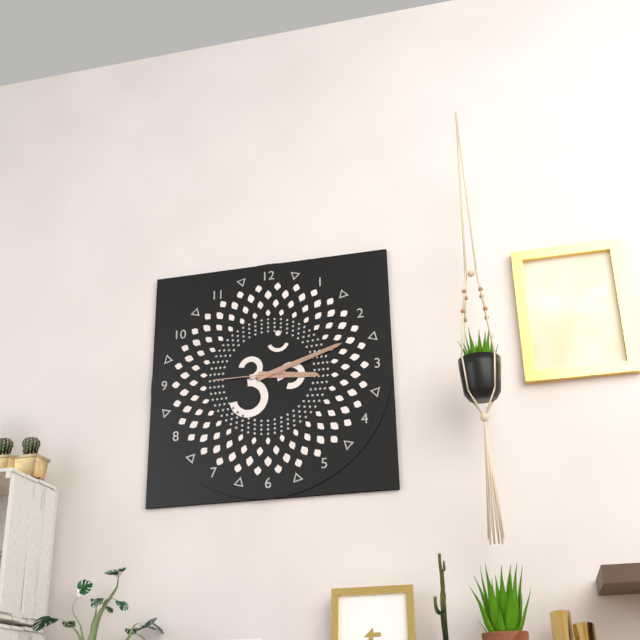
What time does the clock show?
3:12:45
